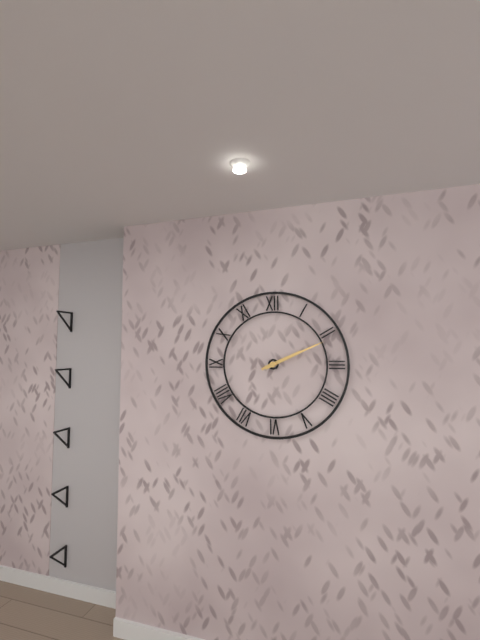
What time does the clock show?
2:11
